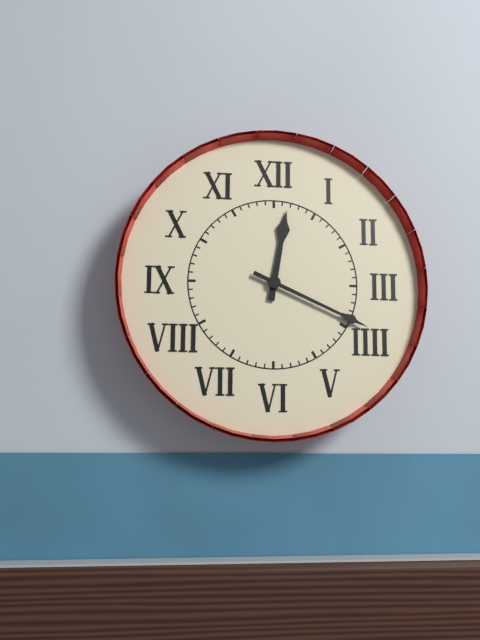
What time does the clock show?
12:19
